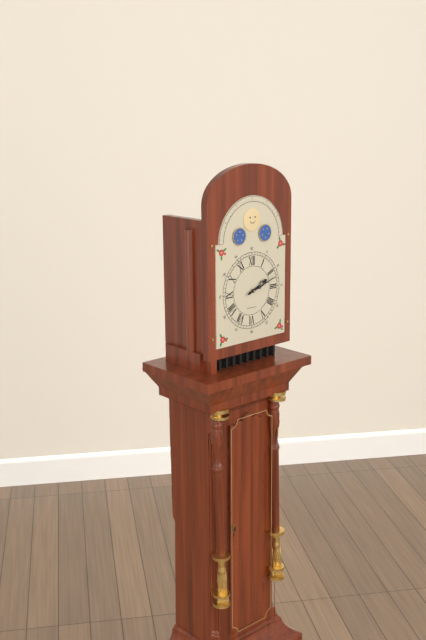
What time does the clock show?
2:12
